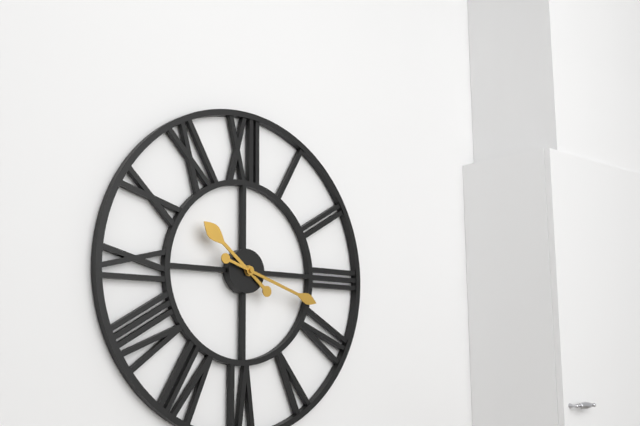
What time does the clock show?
10:18
